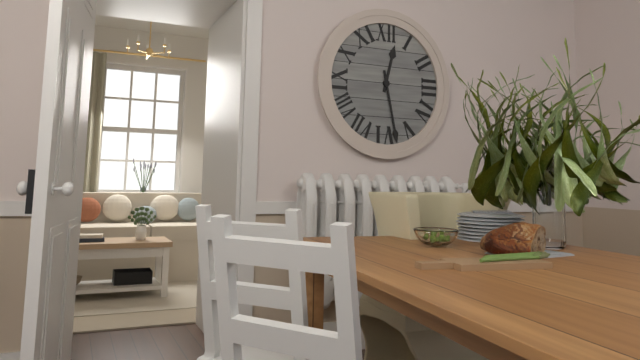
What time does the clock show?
12:28
